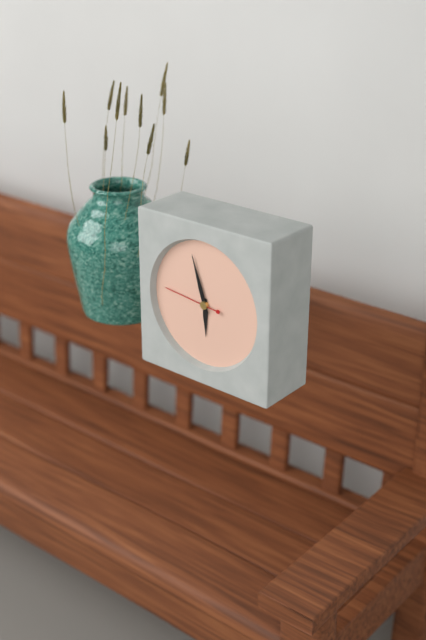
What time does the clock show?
5:57:46
